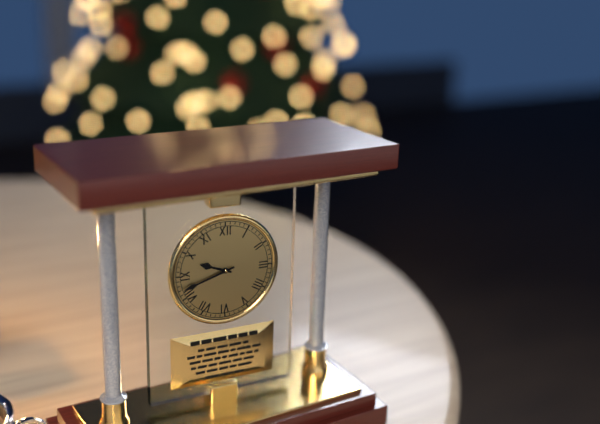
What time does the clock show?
9:42
